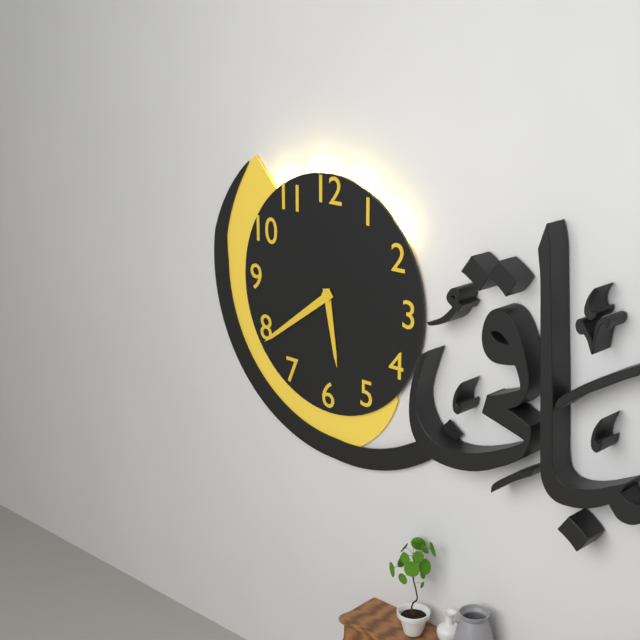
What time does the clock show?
5:39
